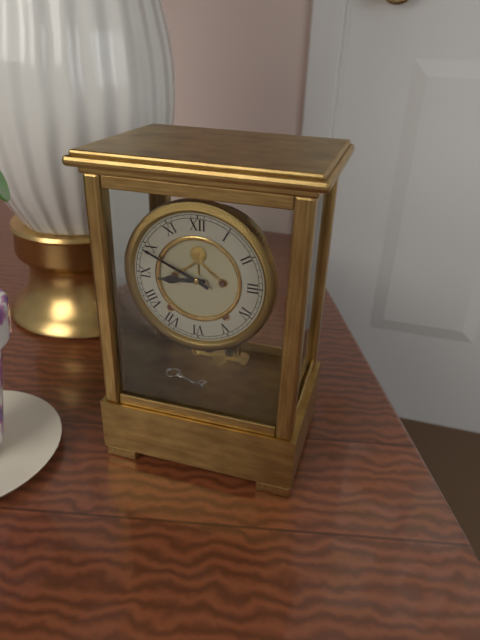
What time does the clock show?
8:49
